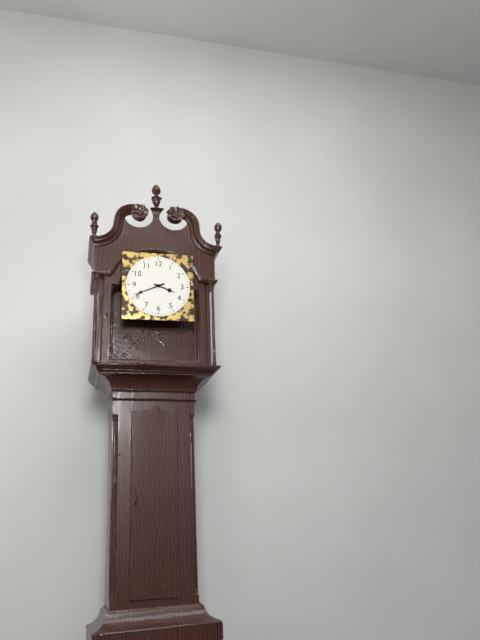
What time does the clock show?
3:41
